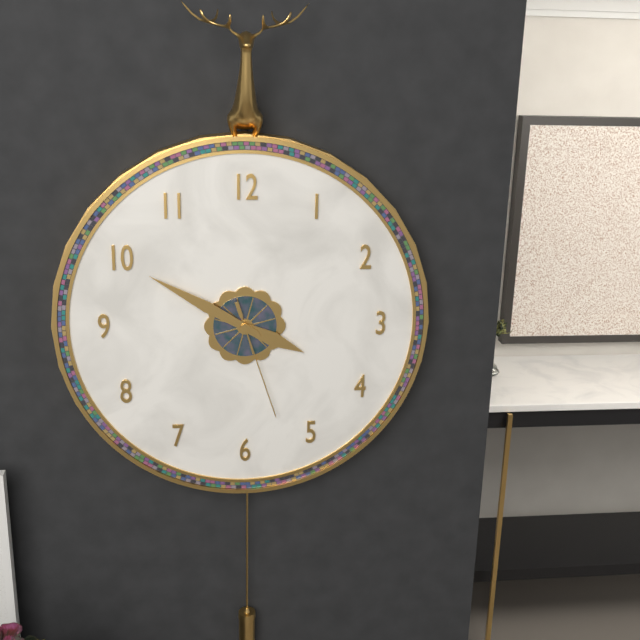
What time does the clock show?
3:50:27
